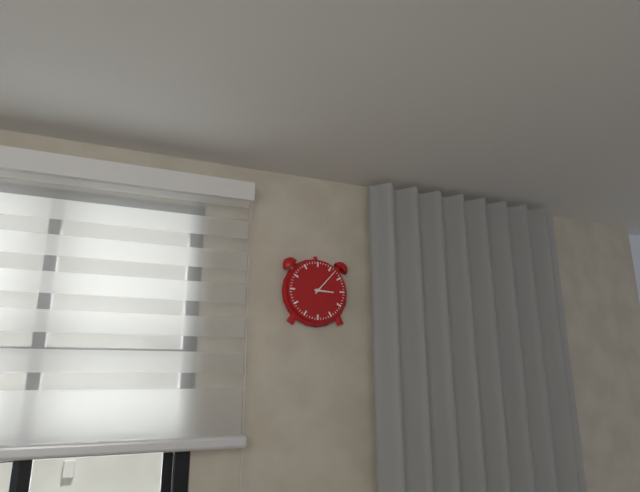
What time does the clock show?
3:07
